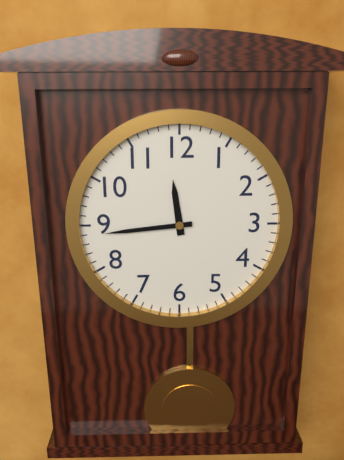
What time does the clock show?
11:44
